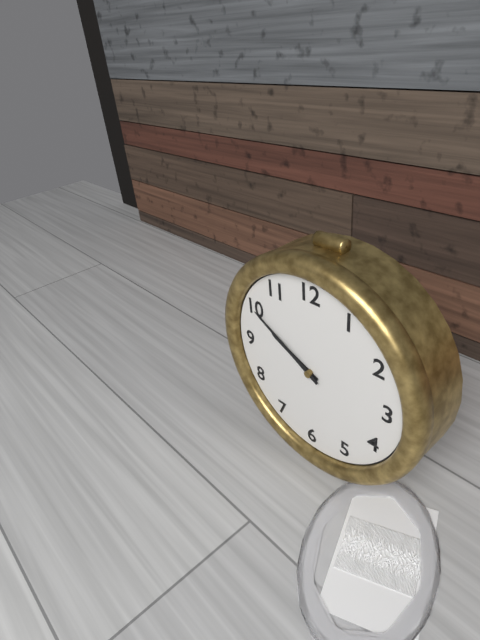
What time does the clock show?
9:50
